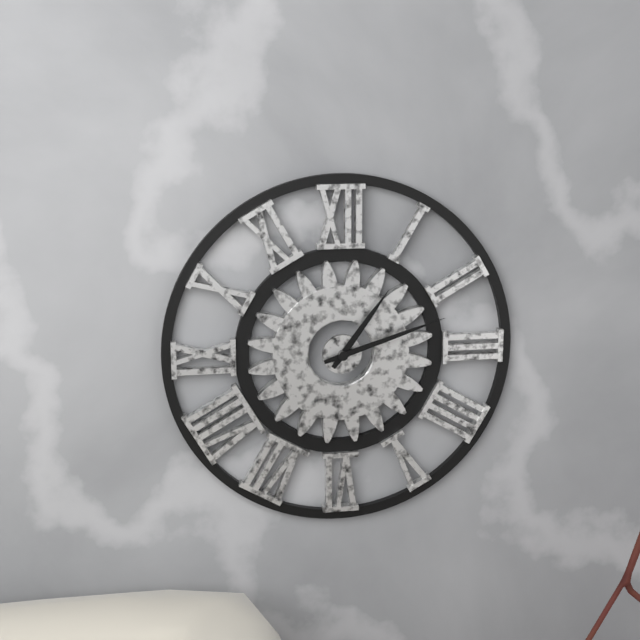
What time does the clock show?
1:12
